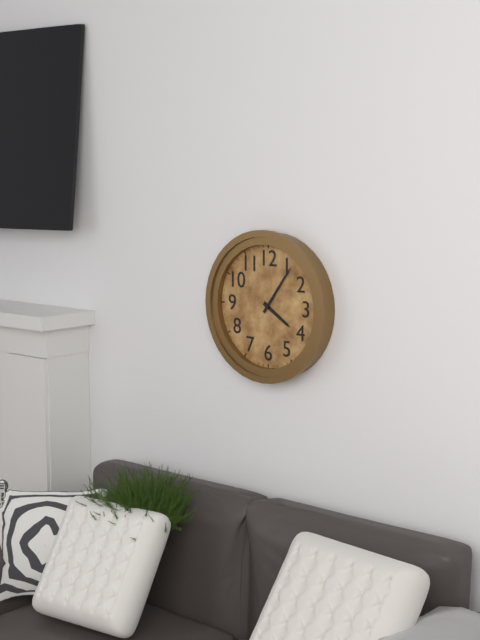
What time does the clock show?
4:06
